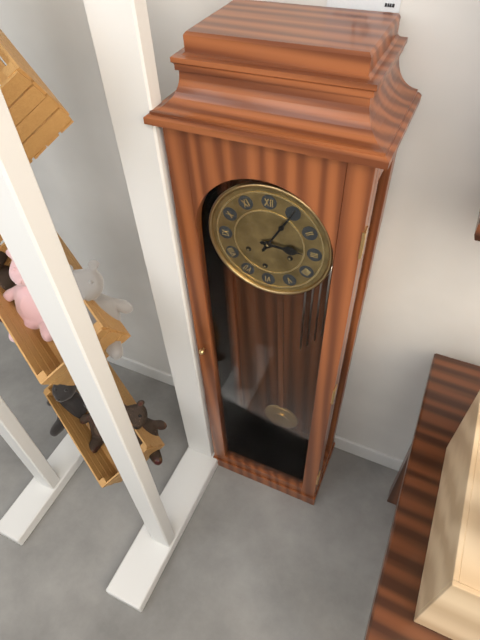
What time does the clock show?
3:05
